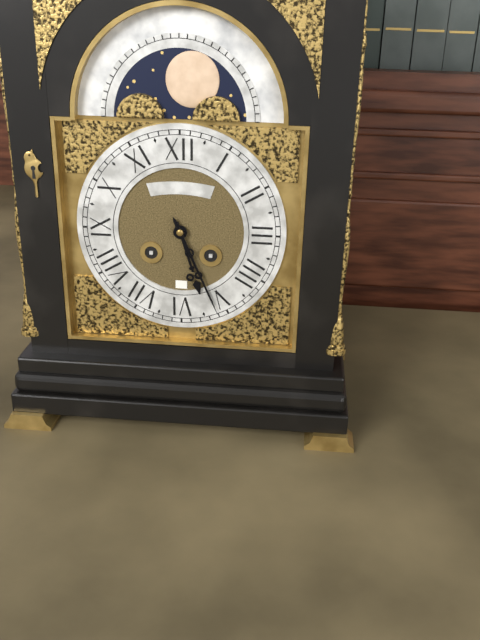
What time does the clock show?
5:26
